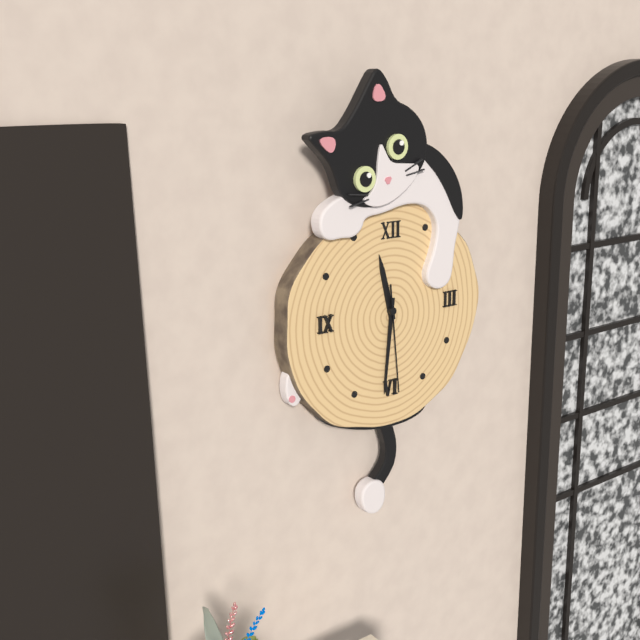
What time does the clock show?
11:31:29
